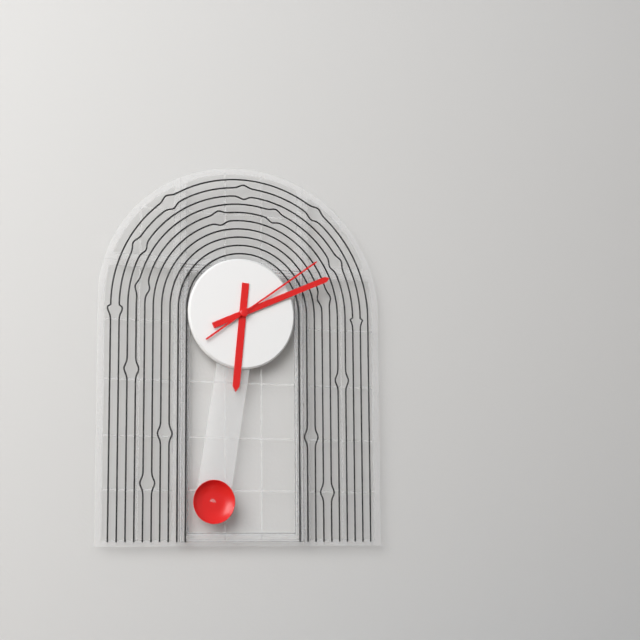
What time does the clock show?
6:11:09
